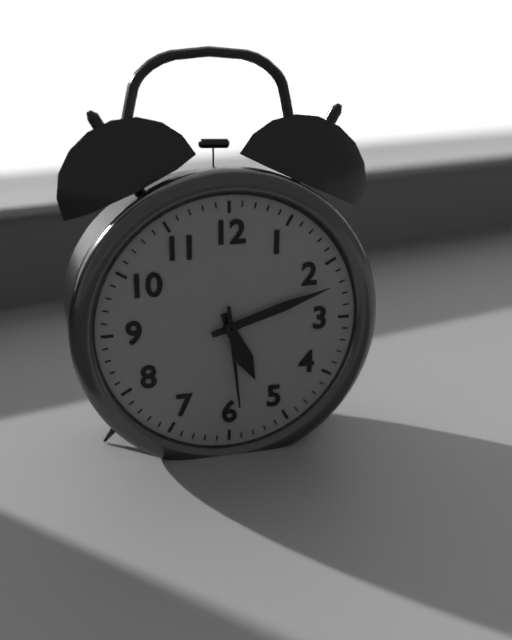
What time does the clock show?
5:12:29
